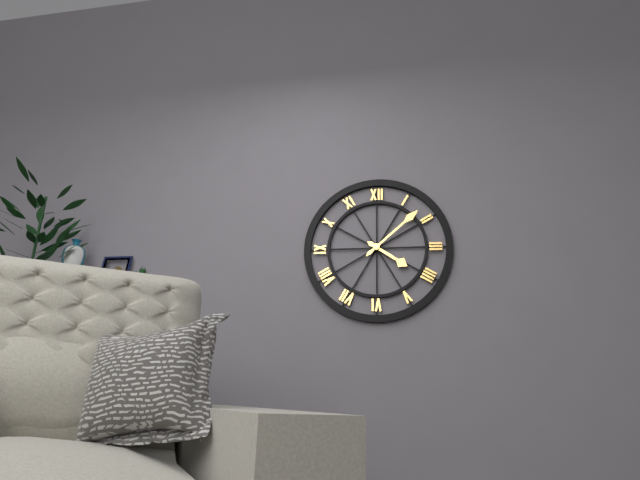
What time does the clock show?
4:08
